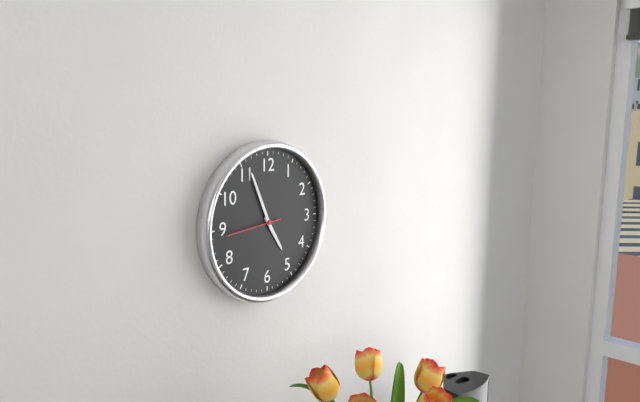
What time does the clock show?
4:56
